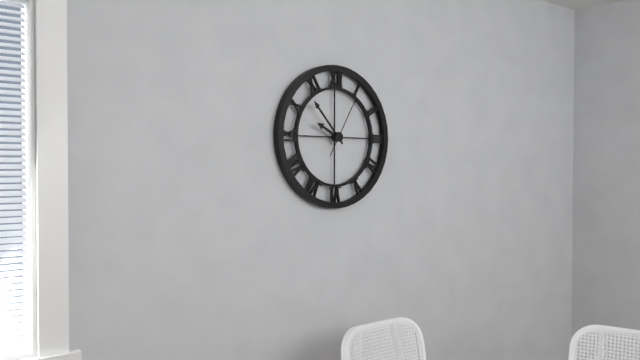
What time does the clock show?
9:53:05
